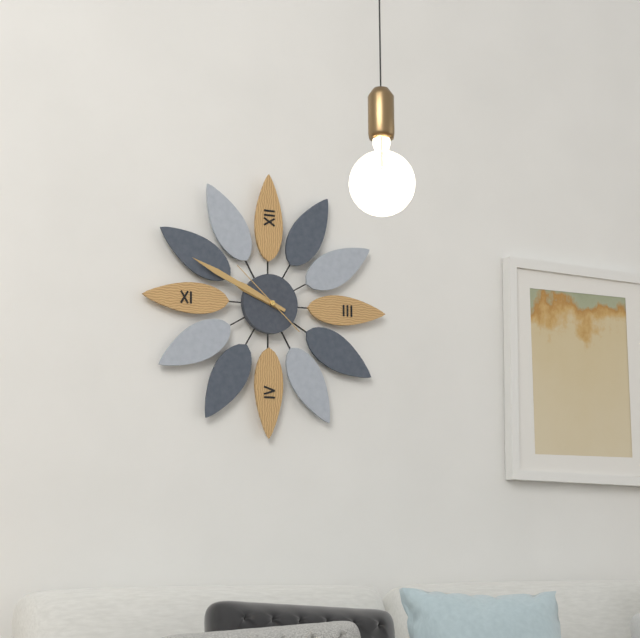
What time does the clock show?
9:49:52
